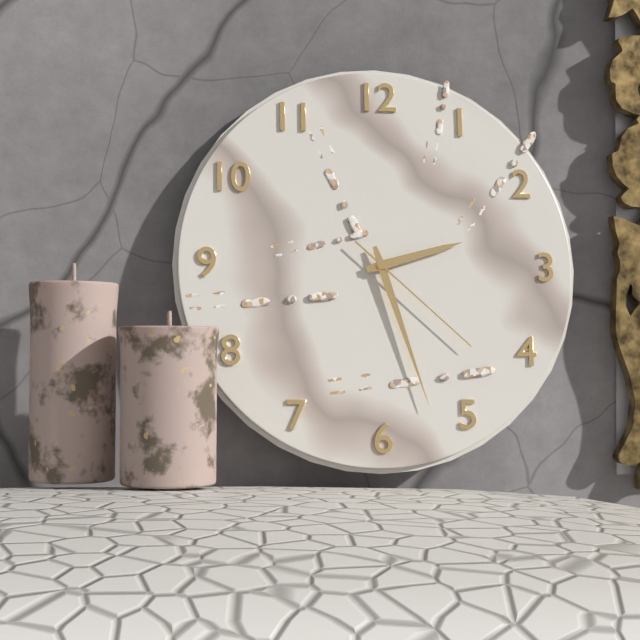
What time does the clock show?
2:27:22
